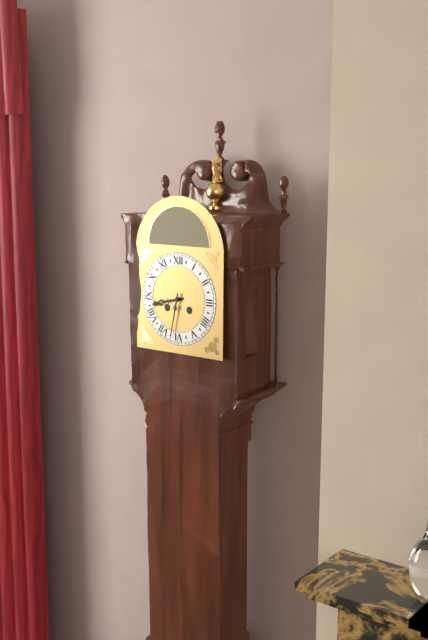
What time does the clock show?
8:32
